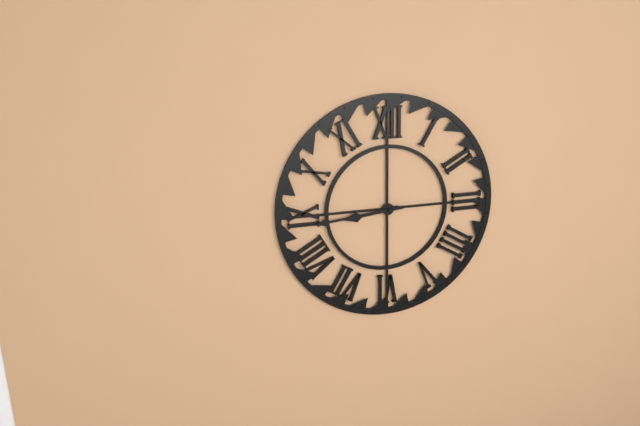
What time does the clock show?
8:44
